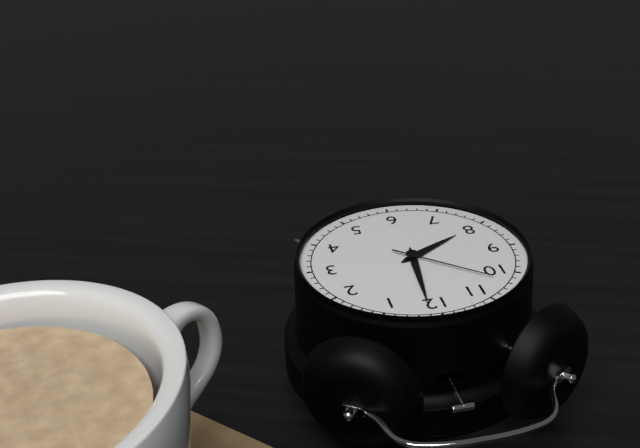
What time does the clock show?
8:01:52
